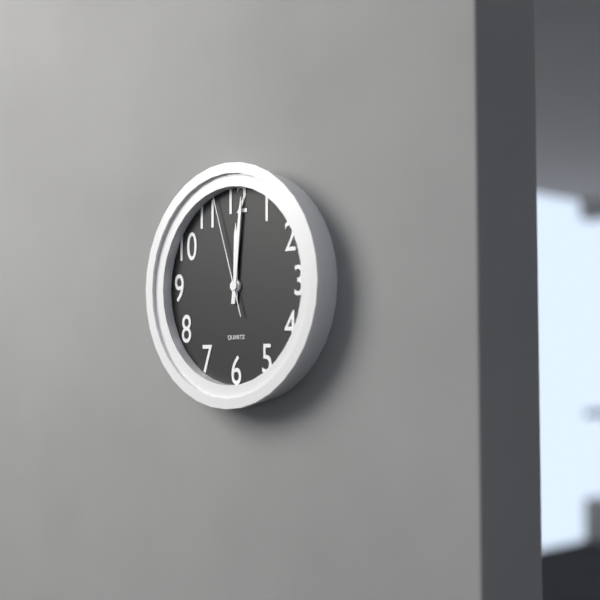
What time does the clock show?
12:01:57
